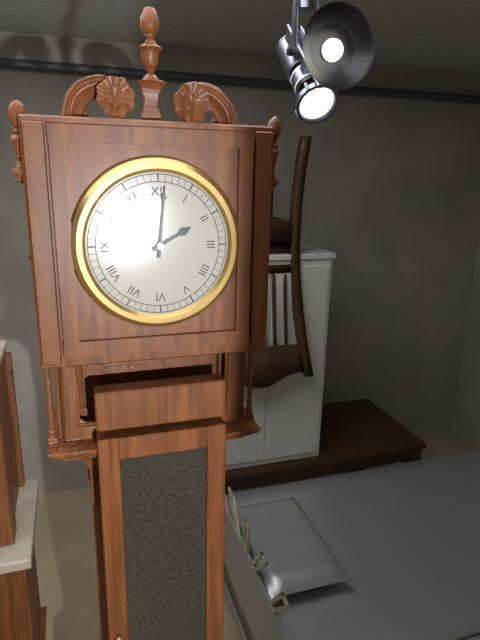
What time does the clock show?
2:01
